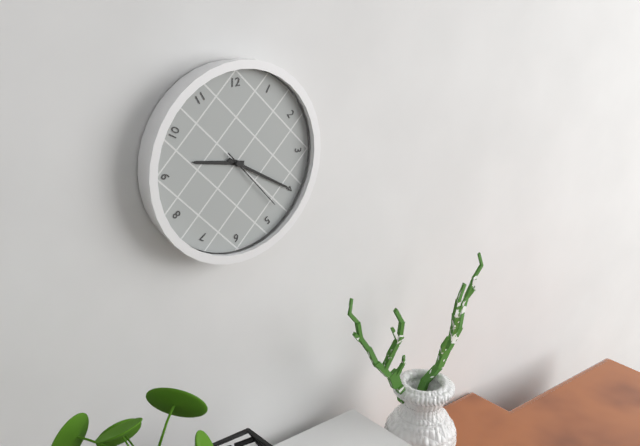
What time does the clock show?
9:20:23
